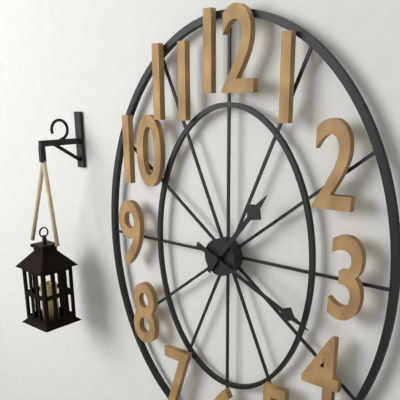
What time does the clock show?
1:19
